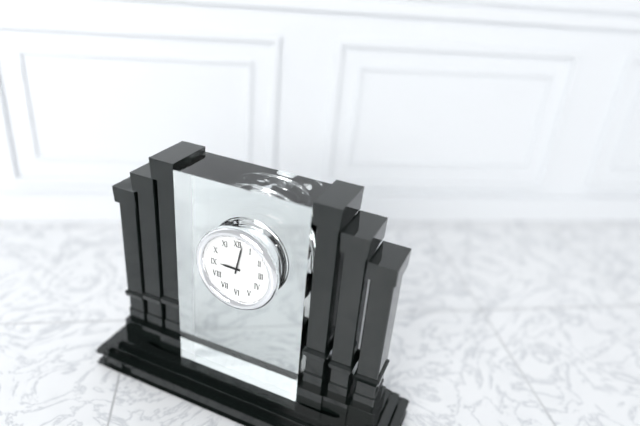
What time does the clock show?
9:02
